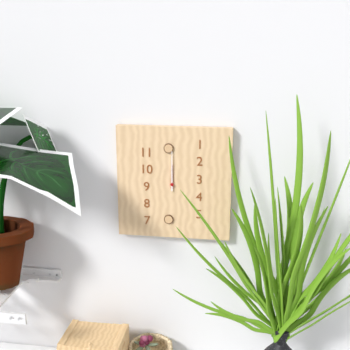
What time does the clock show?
12:00
